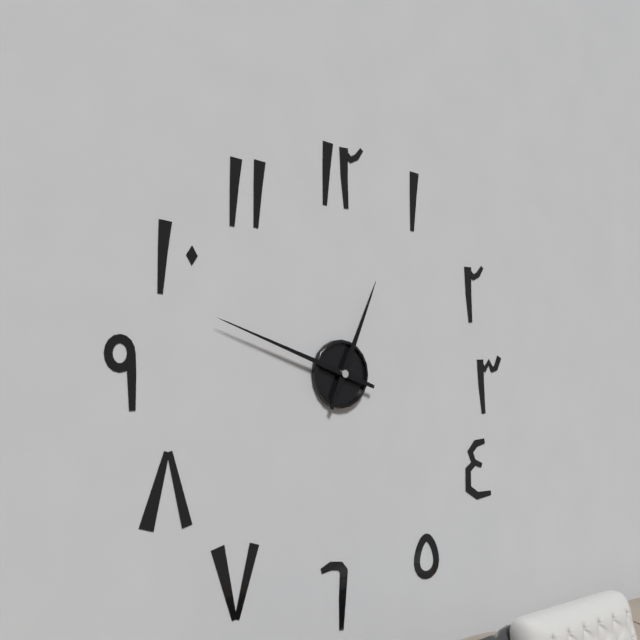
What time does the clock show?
12:48
